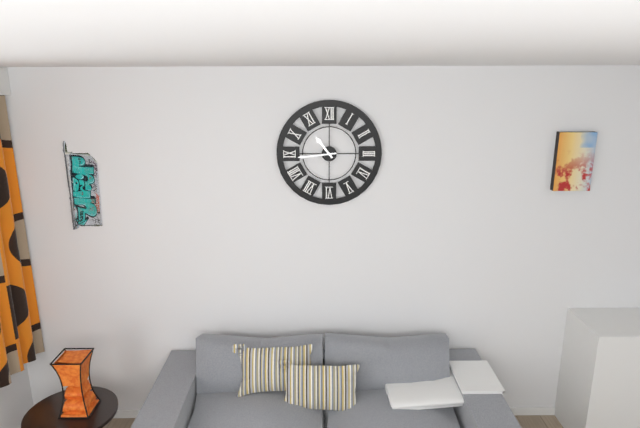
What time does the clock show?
10:44
